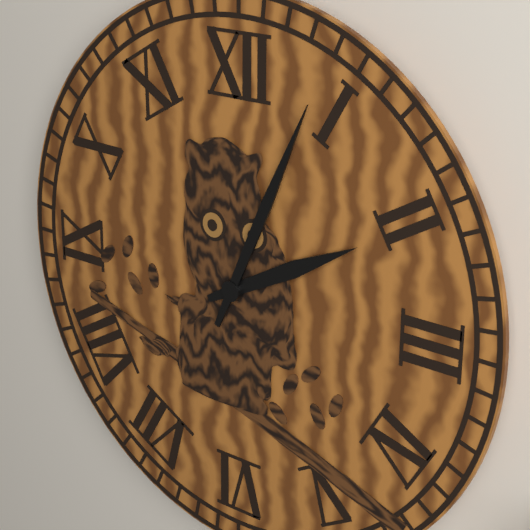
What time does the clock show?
2:04
